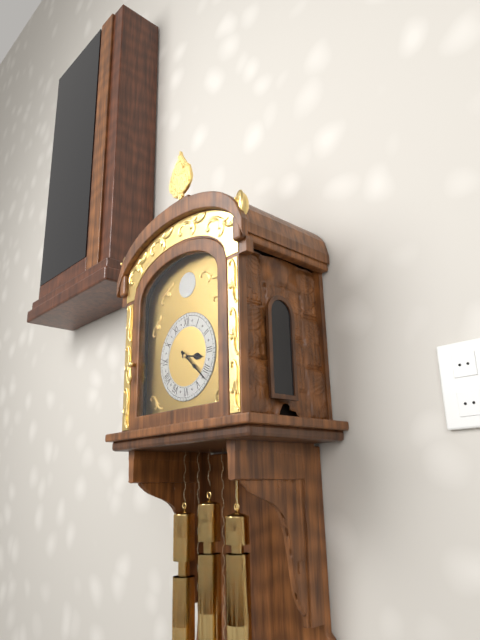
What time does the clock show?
3:22
